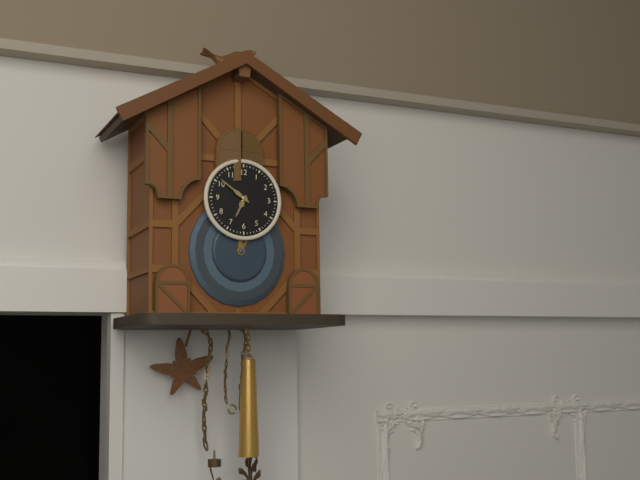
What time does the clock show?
6:51
